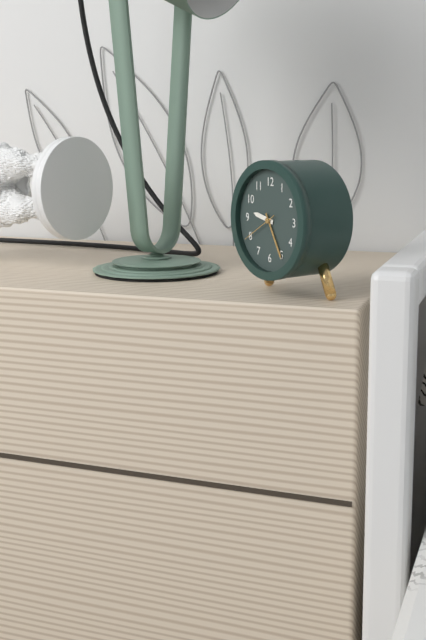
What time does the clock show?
9:25
